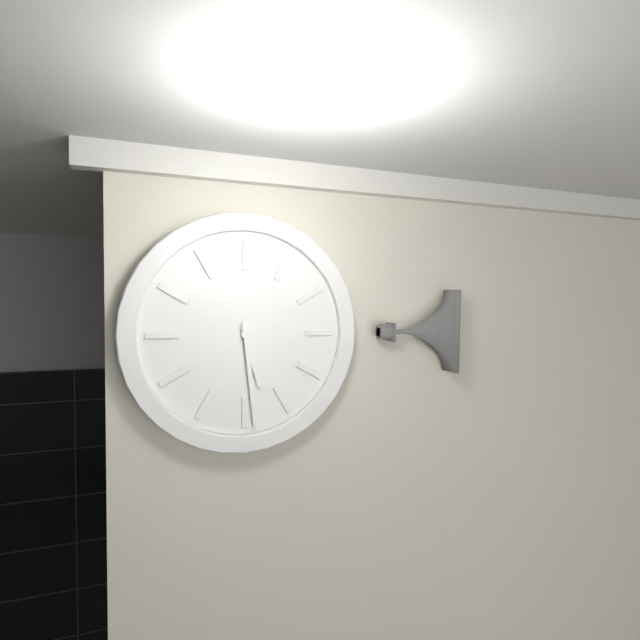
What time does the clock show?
5:29
